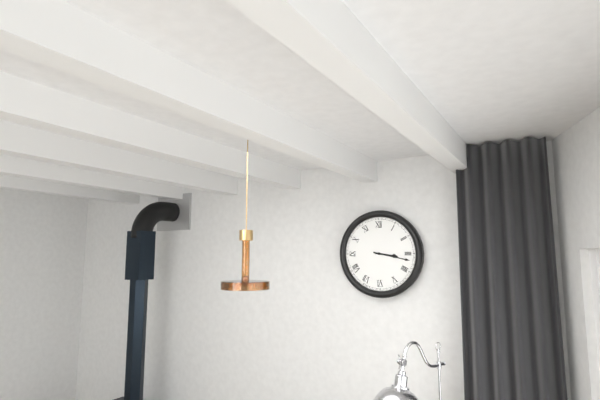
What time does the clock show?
3:17
